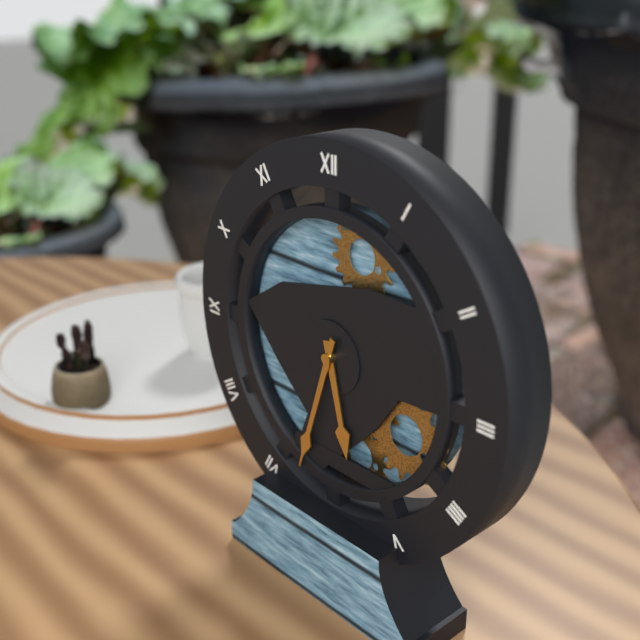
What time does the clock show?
5:33
